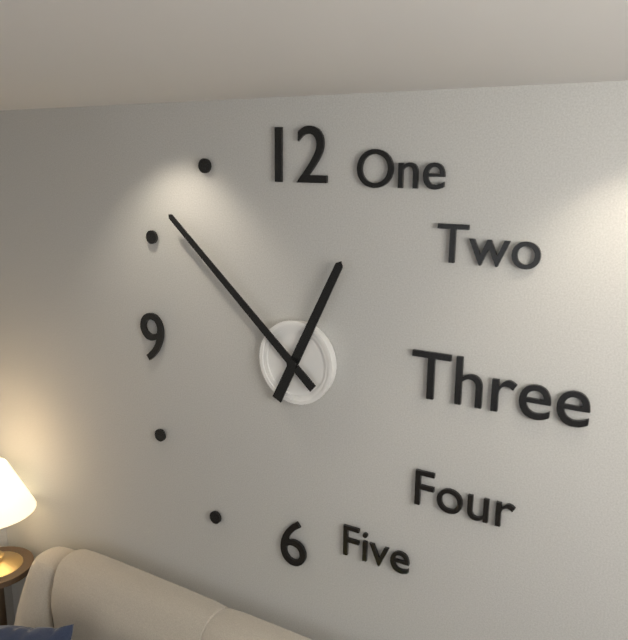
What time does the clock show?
12:52
